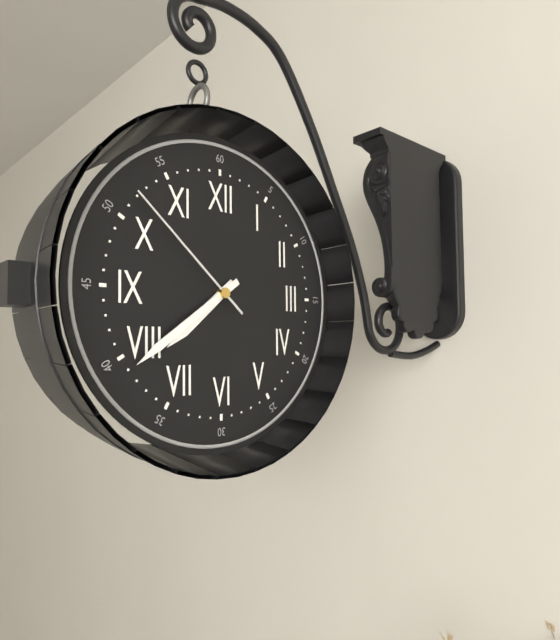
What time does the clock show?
7:39:52
